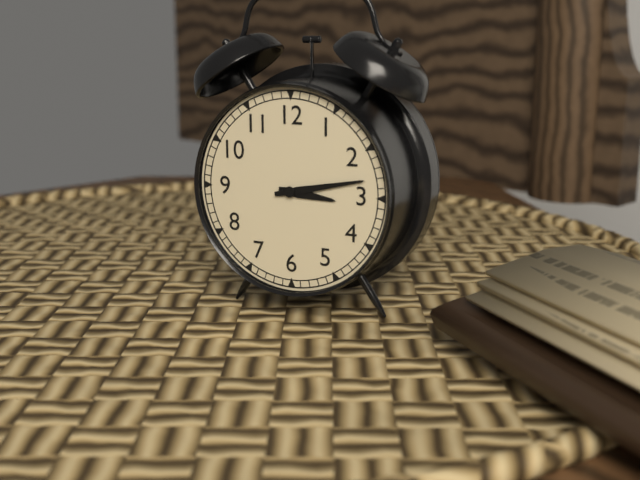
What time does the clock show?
3:13
